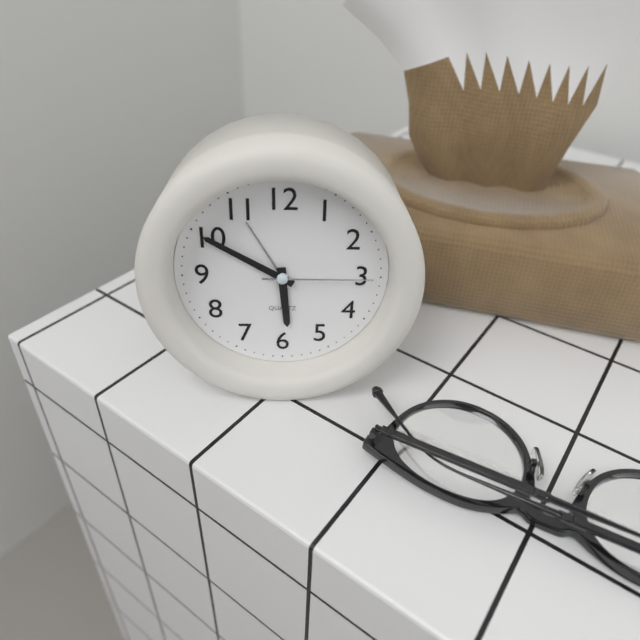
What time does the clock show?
5:50:15
